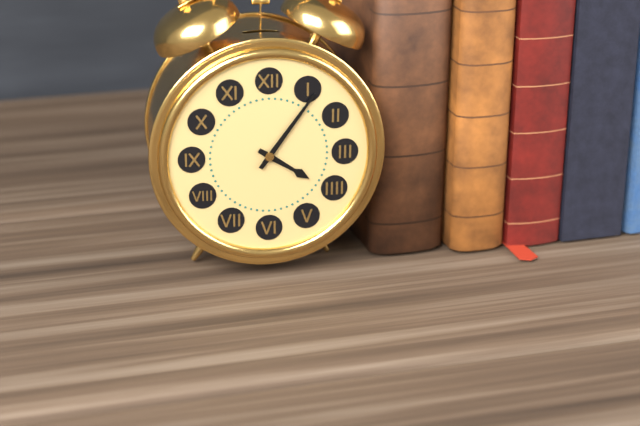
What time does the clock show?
4:06
